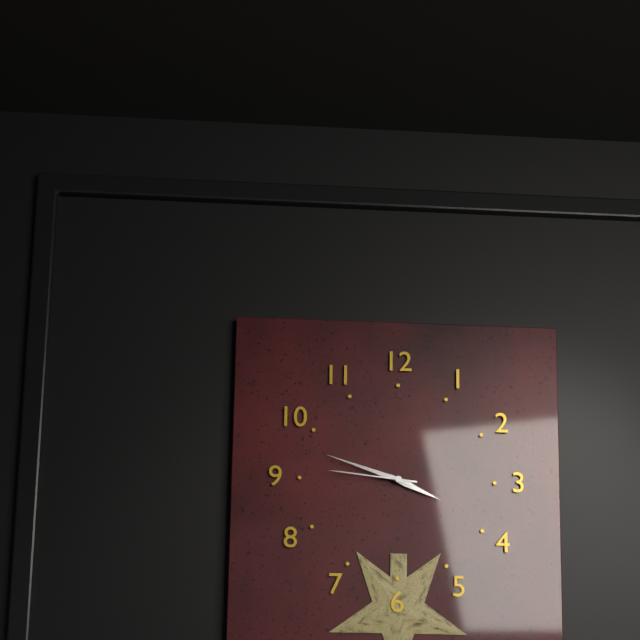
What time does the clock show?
3:48:46
